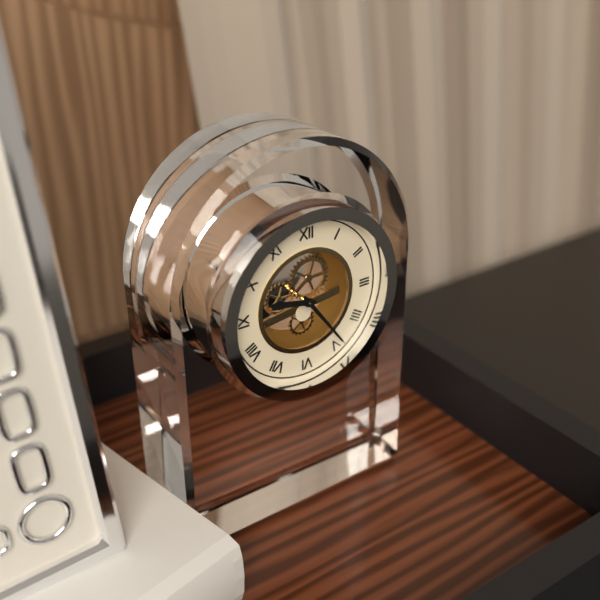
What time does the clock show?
9:24
